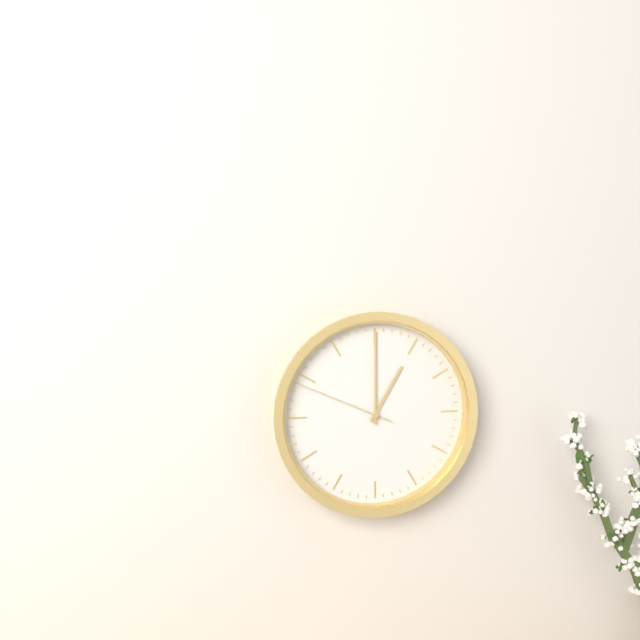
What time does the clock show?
1:00:49
